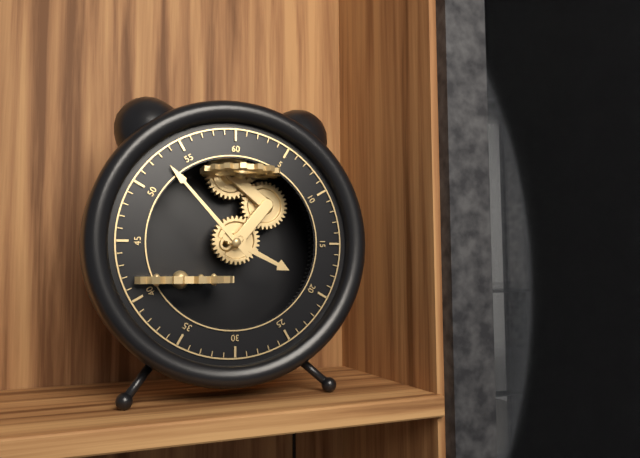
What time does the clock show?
3:53
